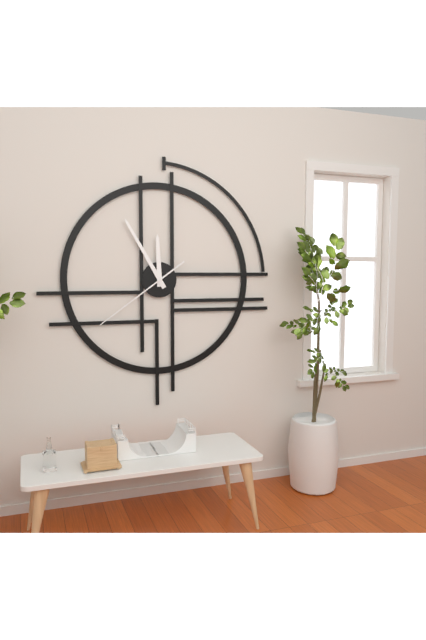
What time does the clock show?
11:55:39
